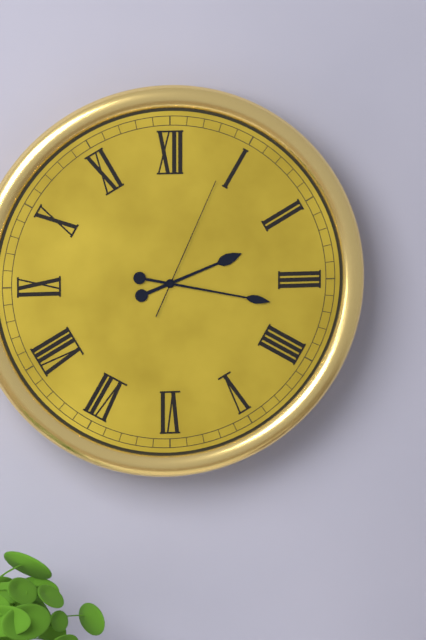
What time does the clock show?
2:17:04
